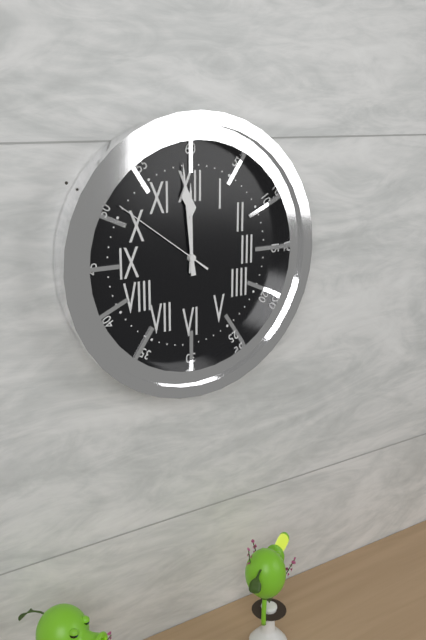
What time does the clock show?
11:59:51
